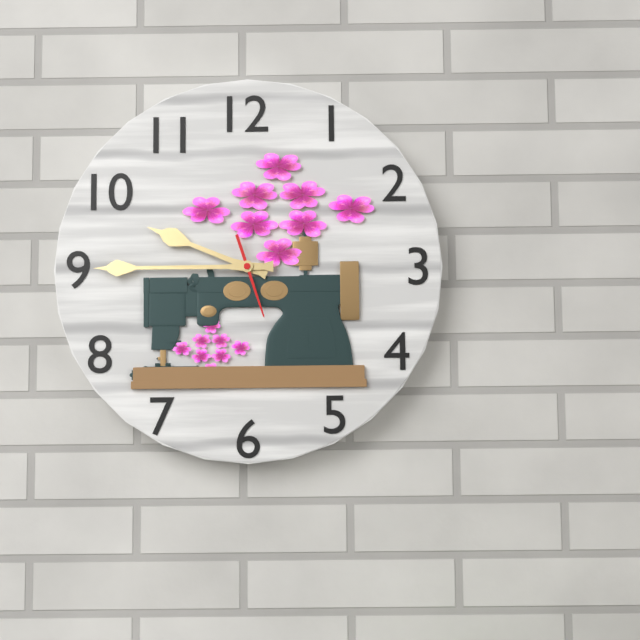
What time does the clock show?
9:45:27
